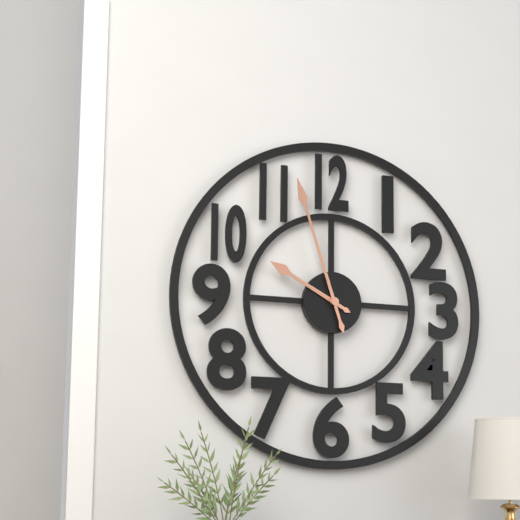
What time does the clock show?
9:57
